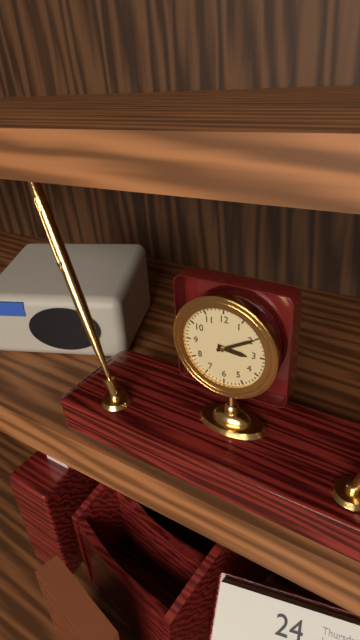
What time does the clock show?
3:10
